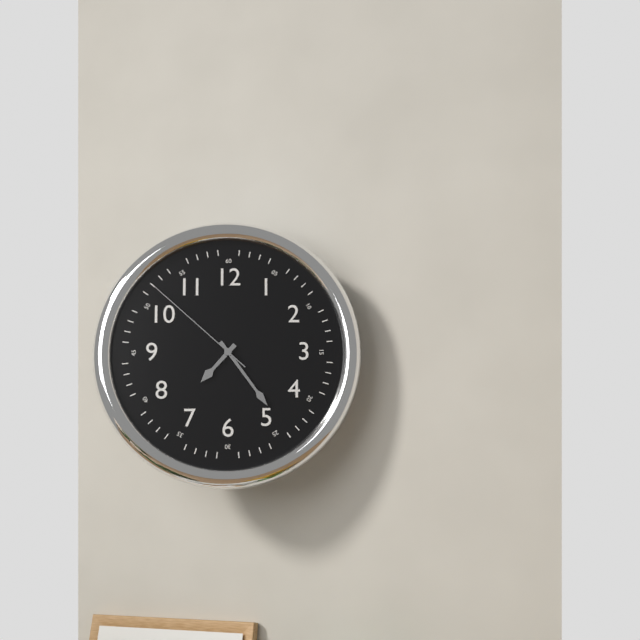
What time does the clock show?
7:24:52
